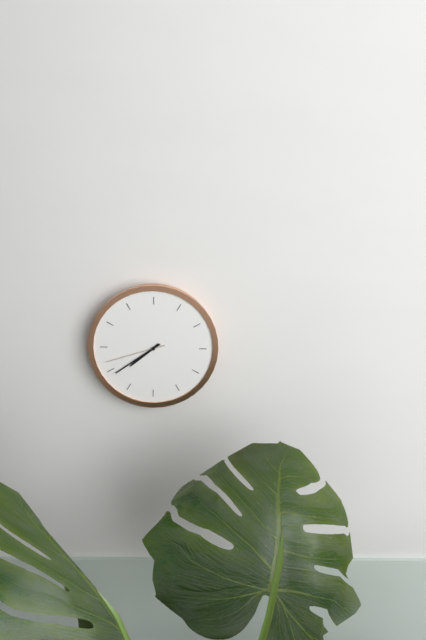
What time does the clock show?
7:39:42
